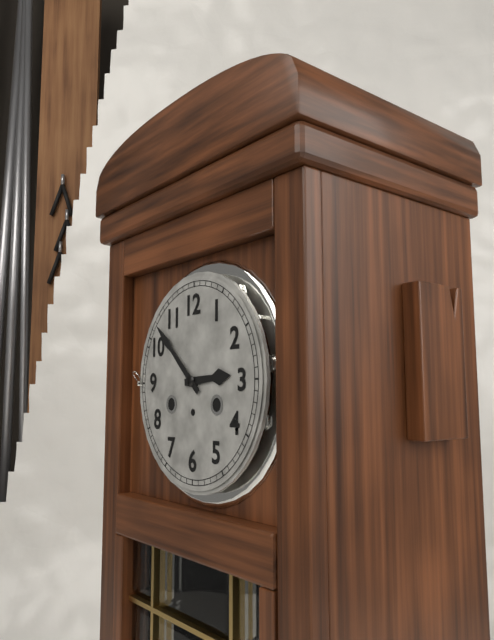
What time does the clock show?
2:52
